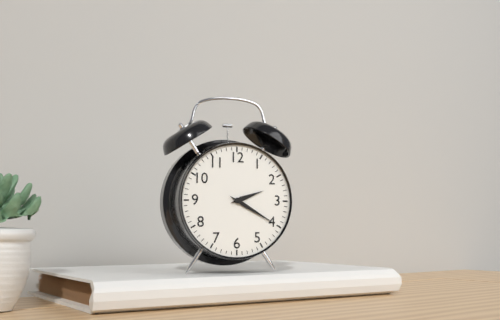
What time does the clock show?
2:20
